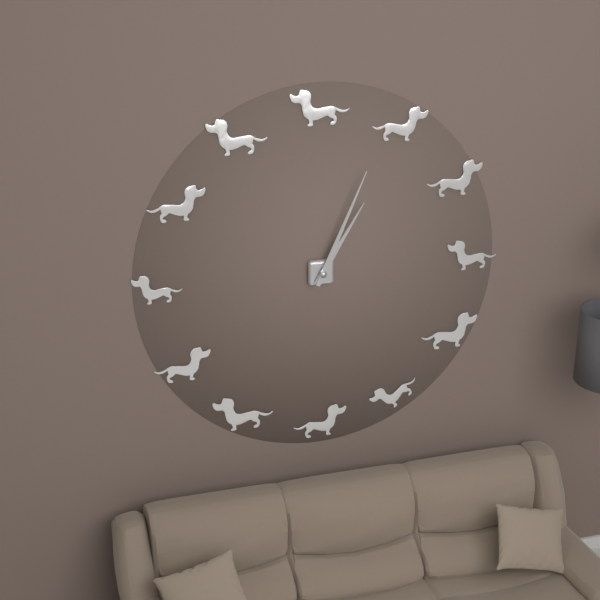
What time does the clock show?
1:04
